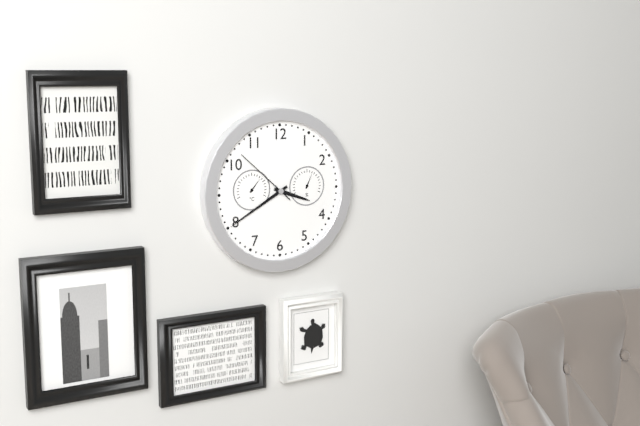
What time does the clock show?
3:40:52
